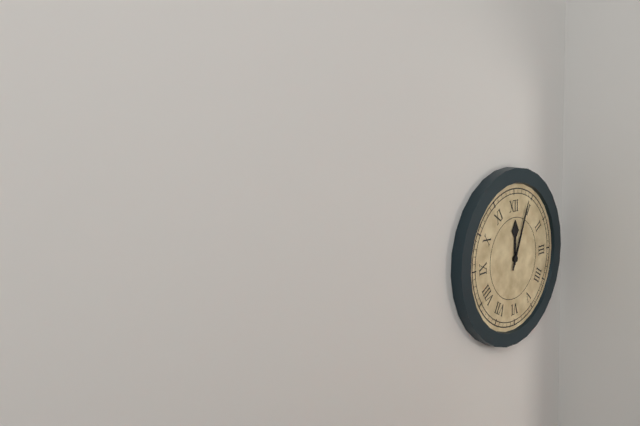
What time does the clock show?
12:04
